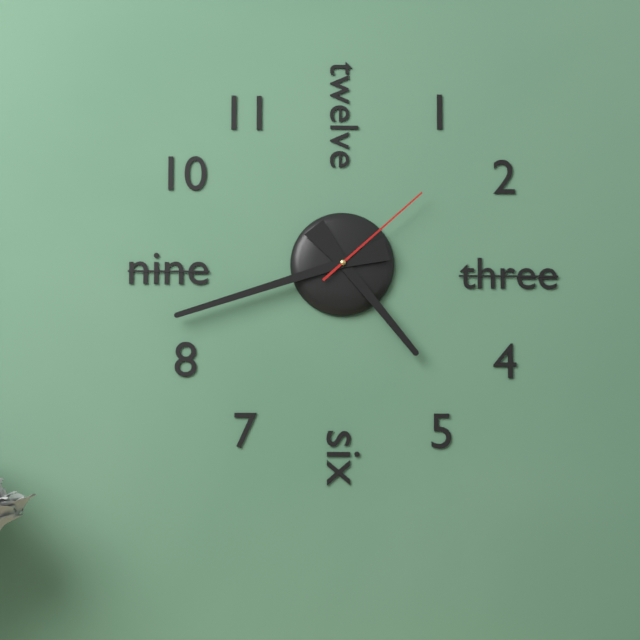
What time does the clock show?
4:42:08
